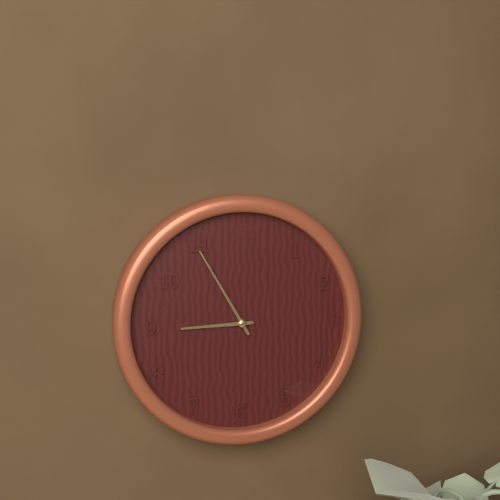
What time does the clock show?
8:55
